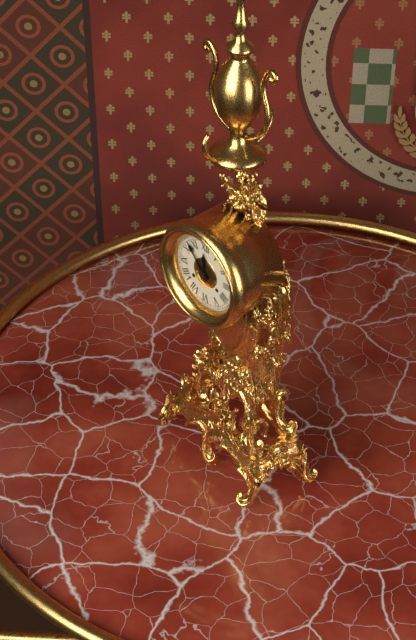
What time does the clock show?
11:53
